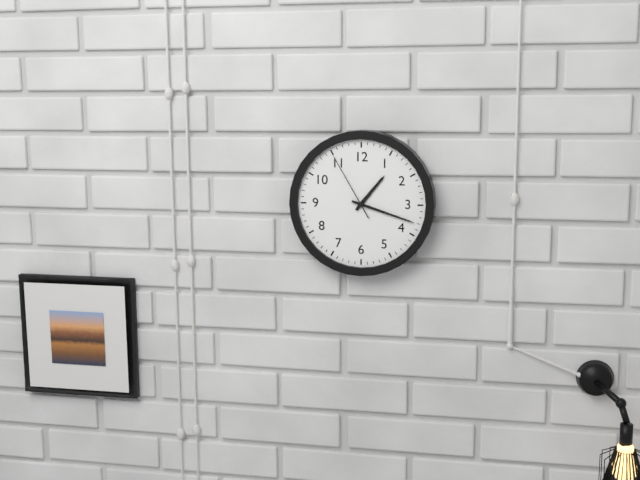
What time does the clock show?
1:18:55
